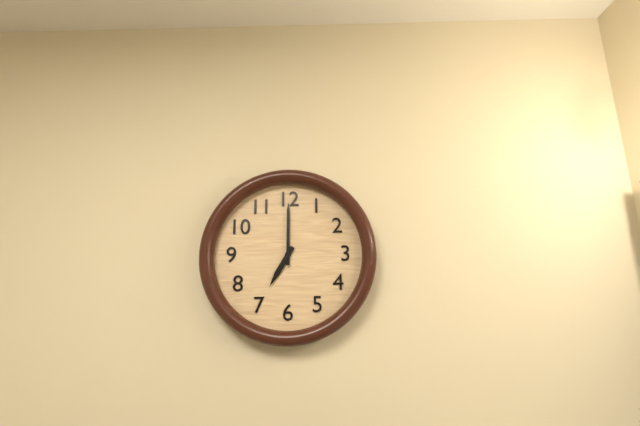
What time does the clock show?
7:00
